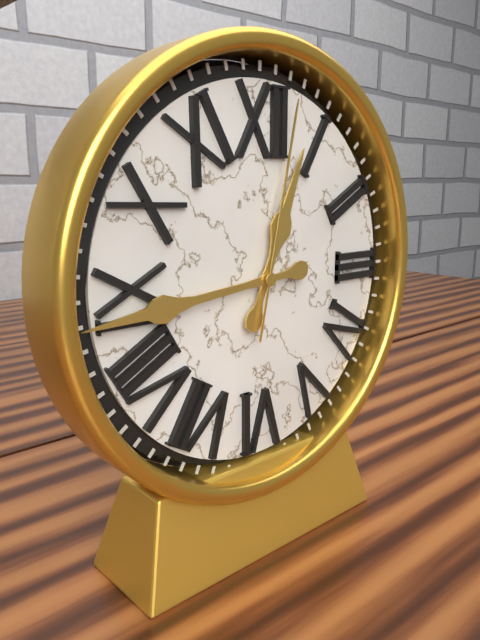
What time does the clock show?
12:44:02
